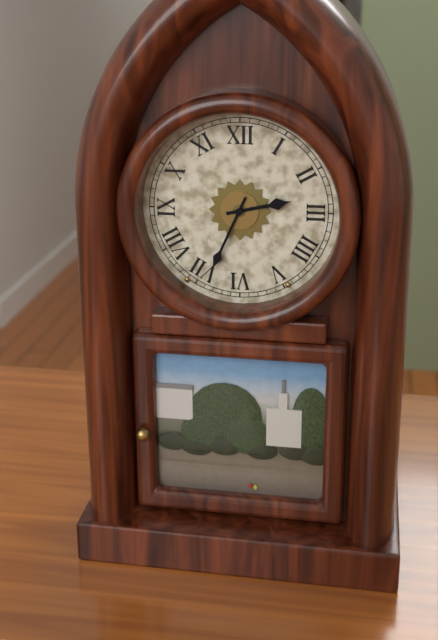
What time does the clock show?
2:34
